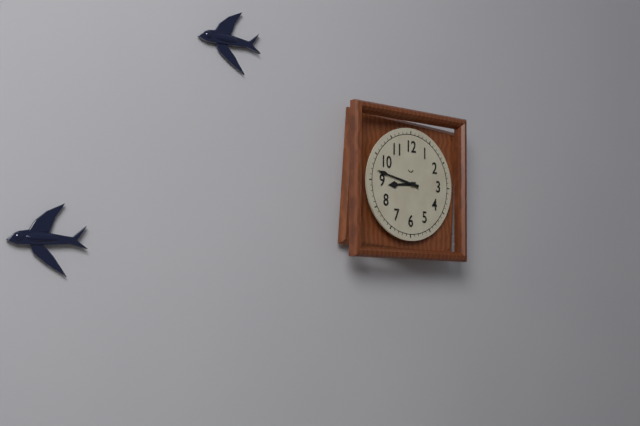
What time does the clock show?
8:47
